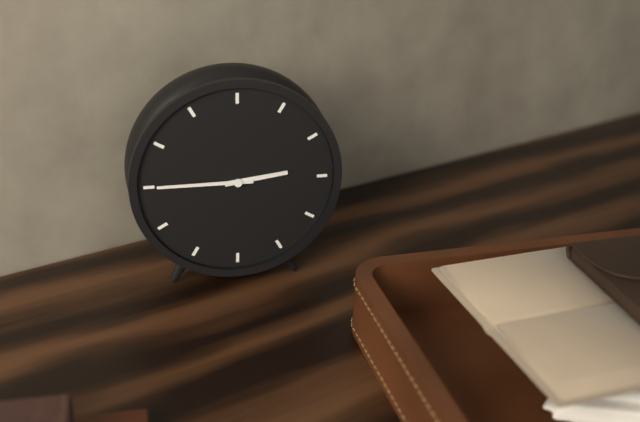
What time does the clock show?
2:45
